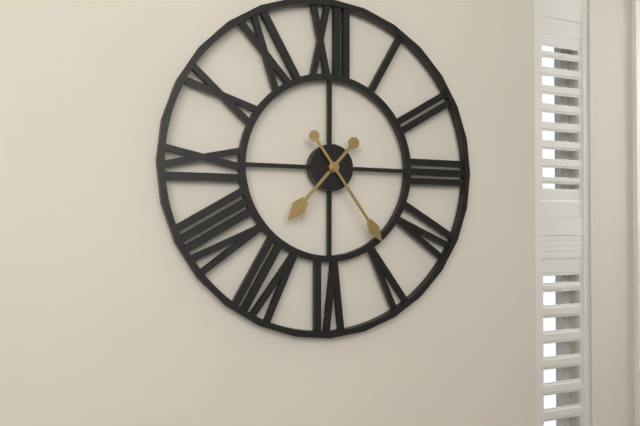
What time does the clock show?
7:24
